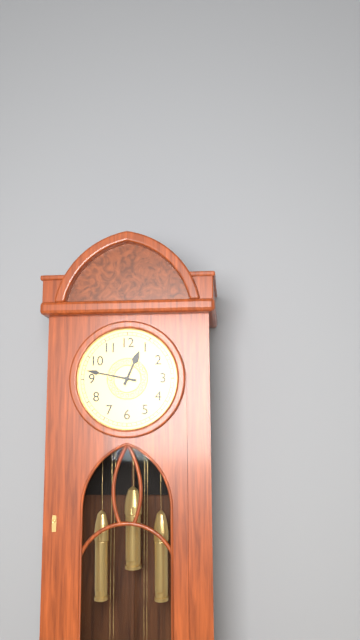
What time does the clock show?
12:47
